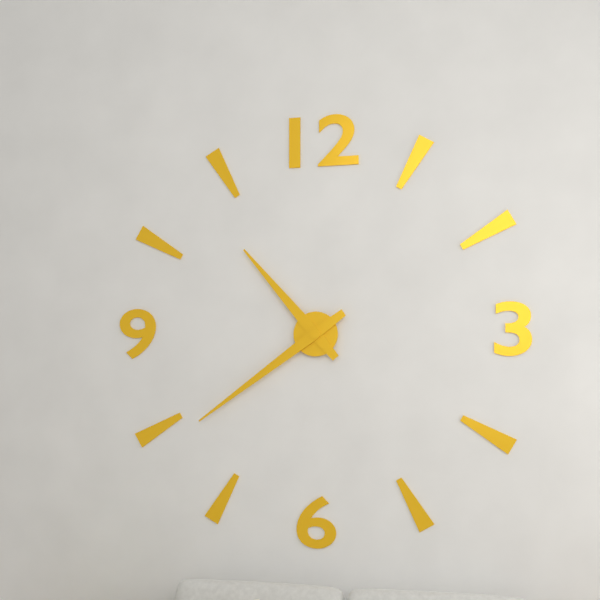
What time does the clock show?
10:39
